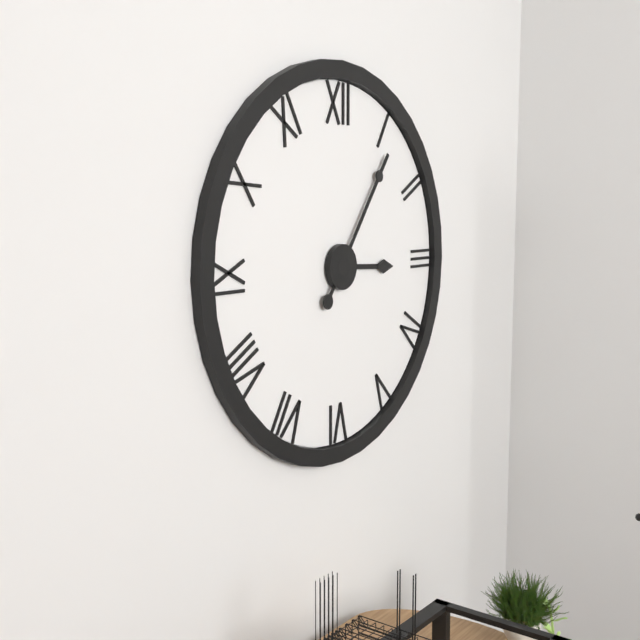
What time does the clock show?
3:06
